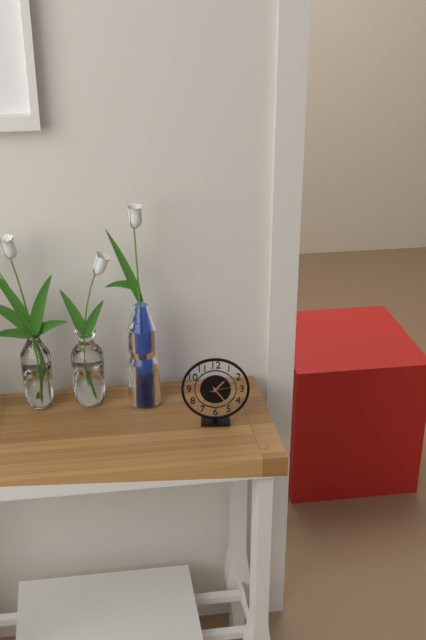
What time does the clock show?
1:24
